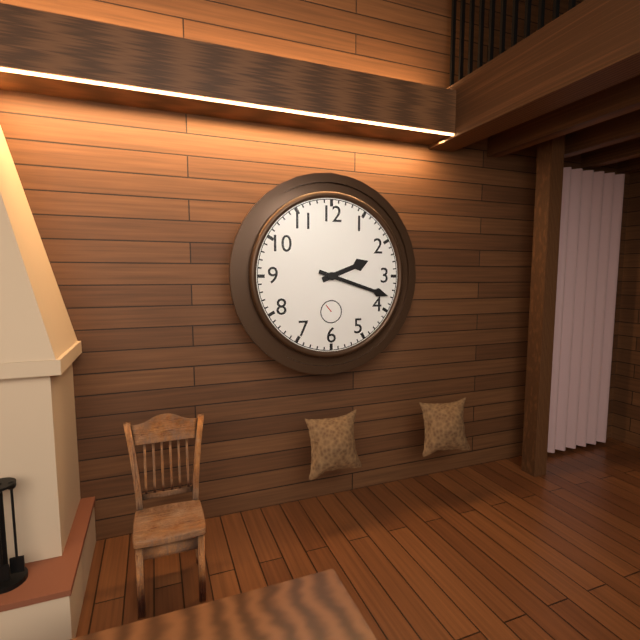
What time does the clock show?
2:18
